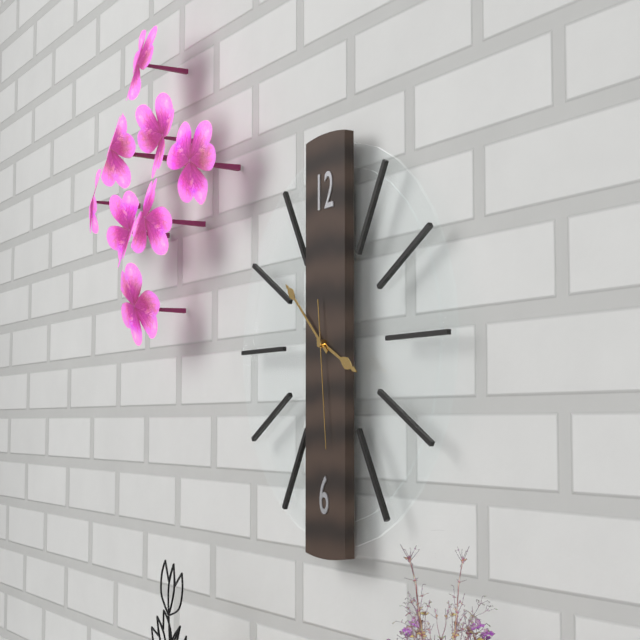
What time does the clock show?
3:52:29
